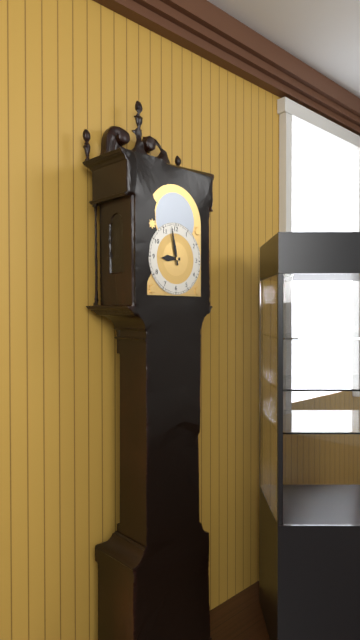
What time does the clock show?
8:58
